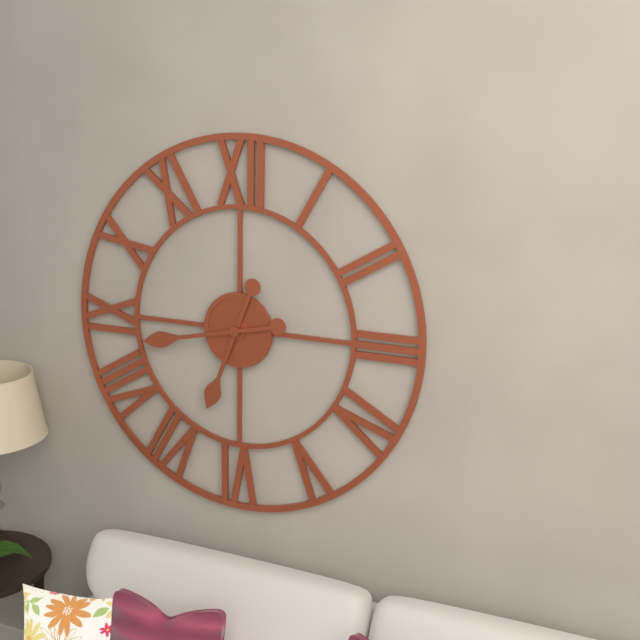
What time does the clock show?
6:43
